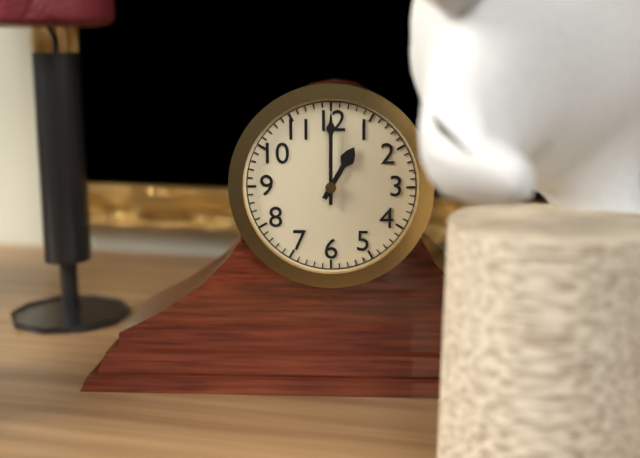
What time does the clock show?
1:00
